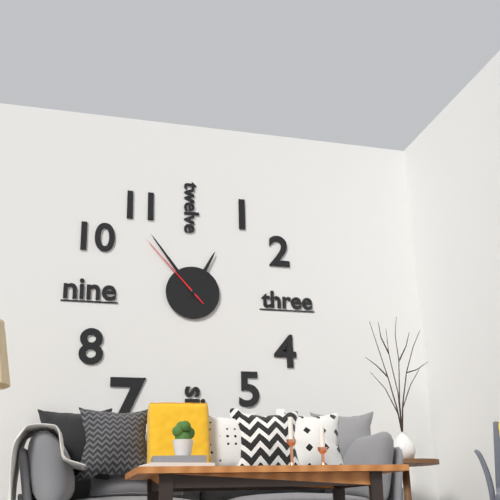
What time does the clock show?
12:54:53
